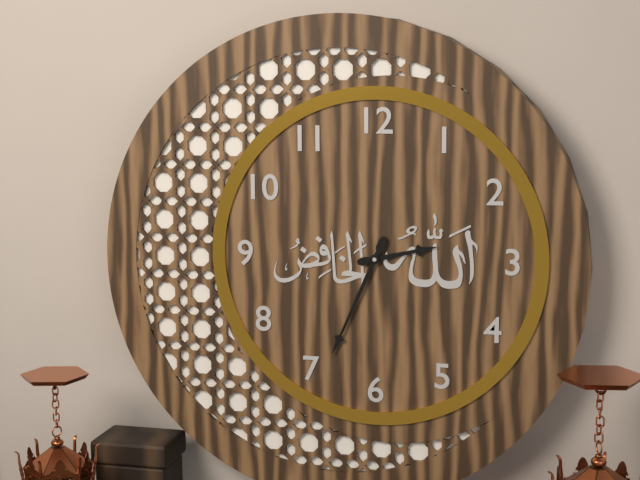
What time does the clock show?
2:34
